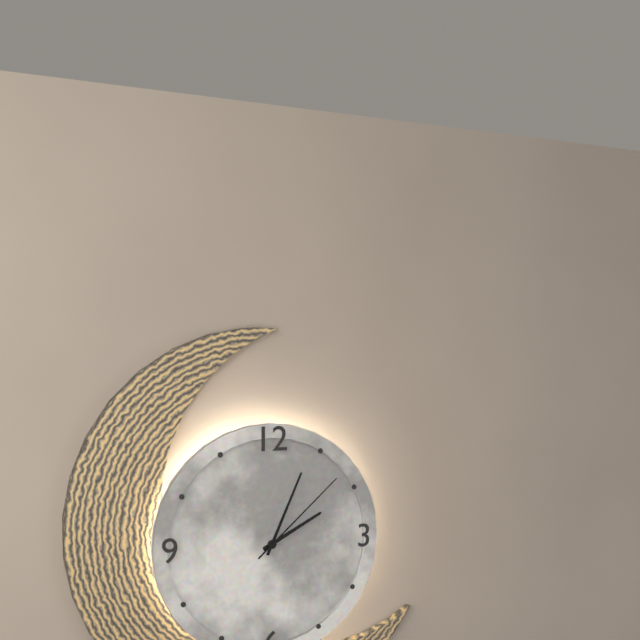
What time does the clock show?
2:04:08
